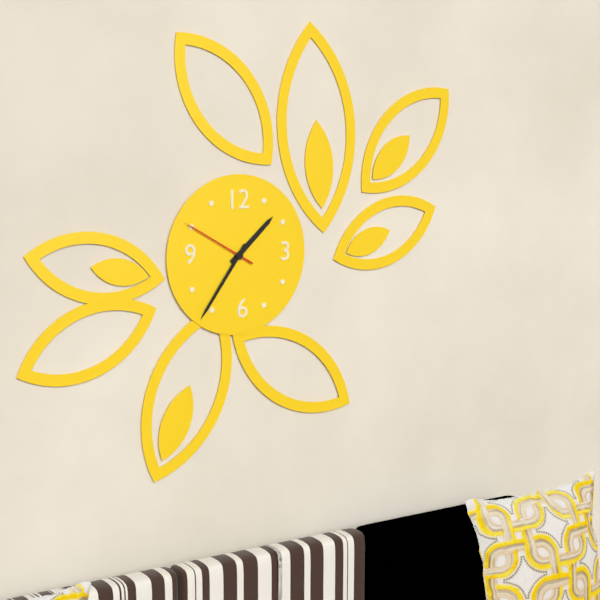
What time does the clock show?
1:36:50
